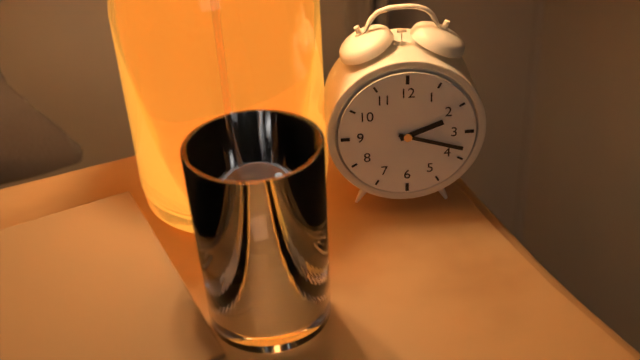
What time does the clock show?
2:18
